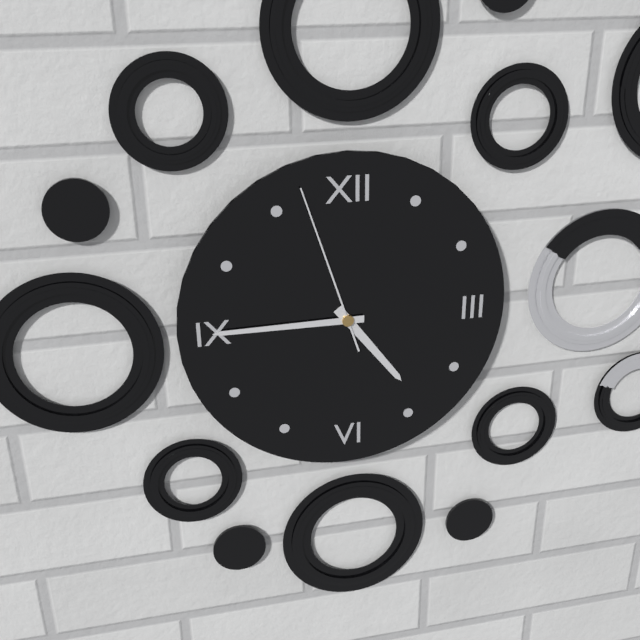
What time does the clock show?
4:45:57
